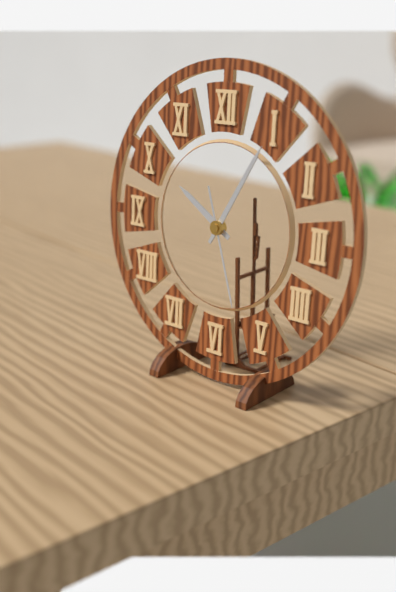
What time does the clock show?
10:05:27
